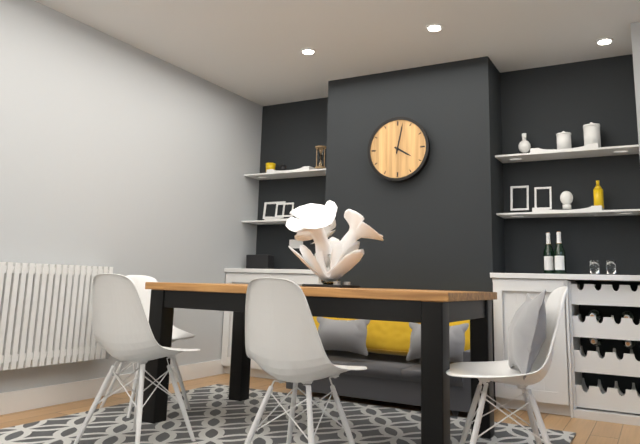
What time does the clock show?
4:02
